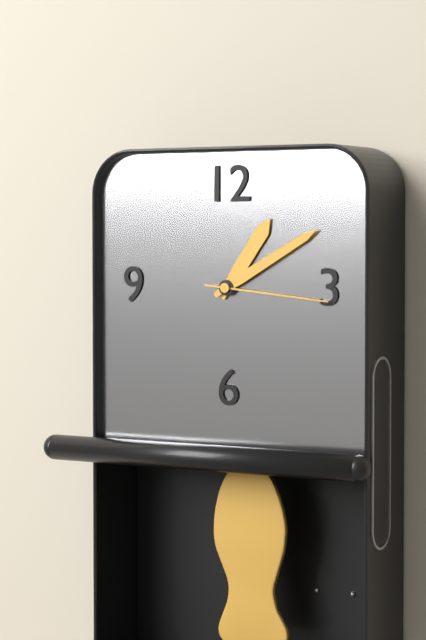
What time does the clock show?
1:10:16
